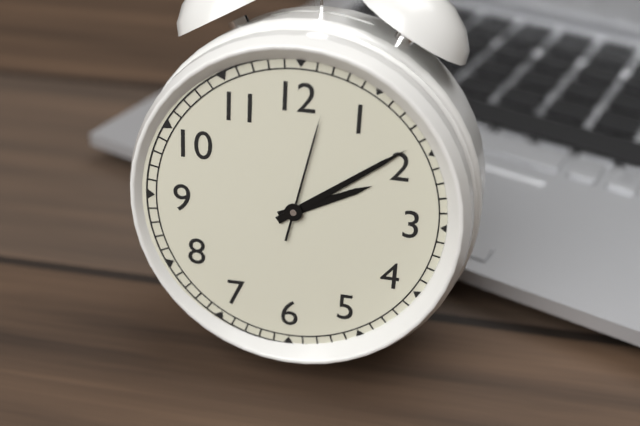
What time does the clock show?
2:09:02
